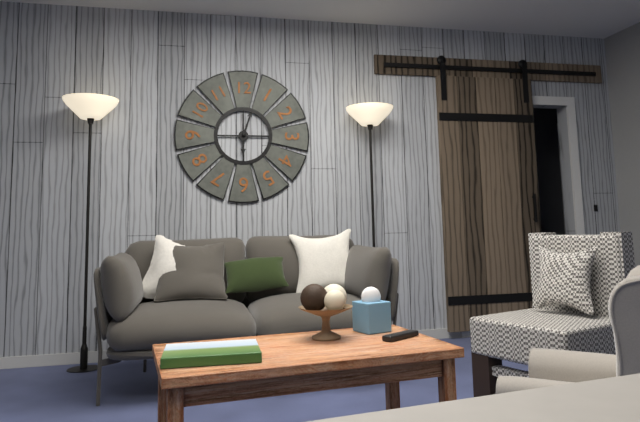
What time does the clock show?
6:03
